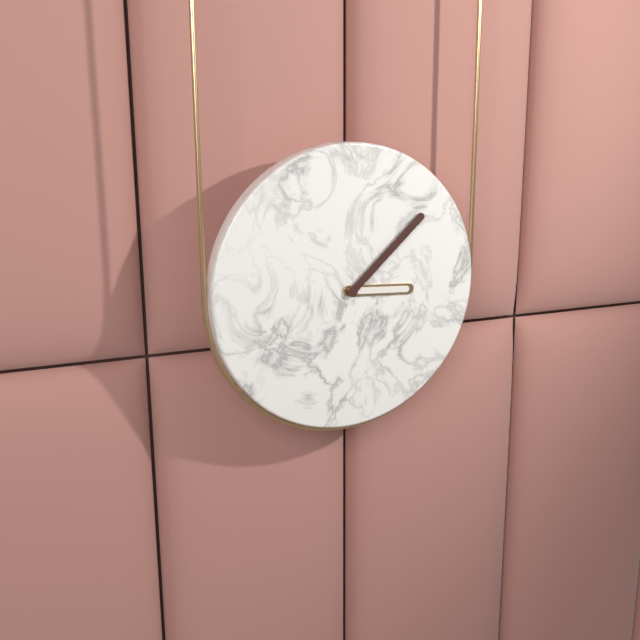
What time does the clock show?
3:08
